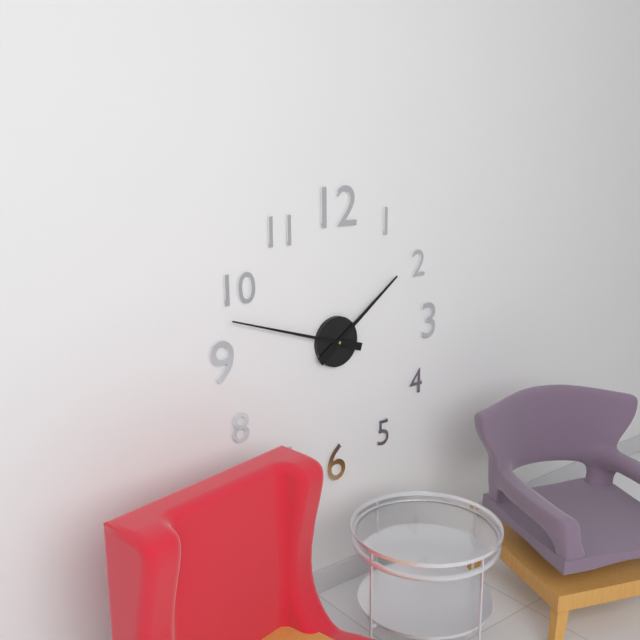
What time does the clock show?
1:48
